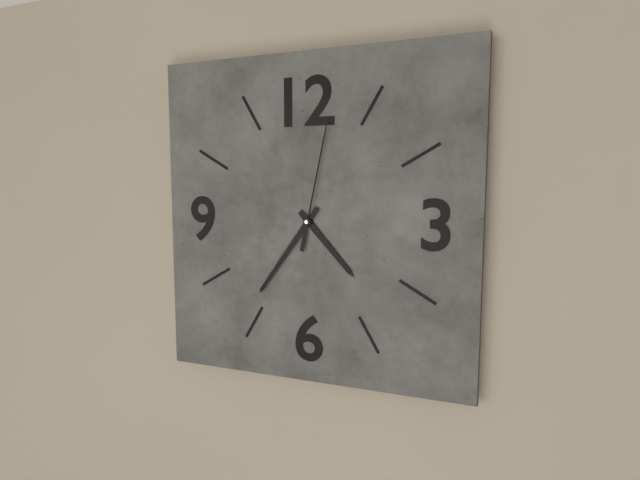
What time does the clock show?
4:36:02
